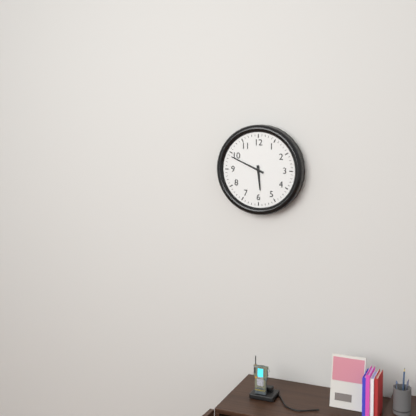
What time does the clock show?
5:49
